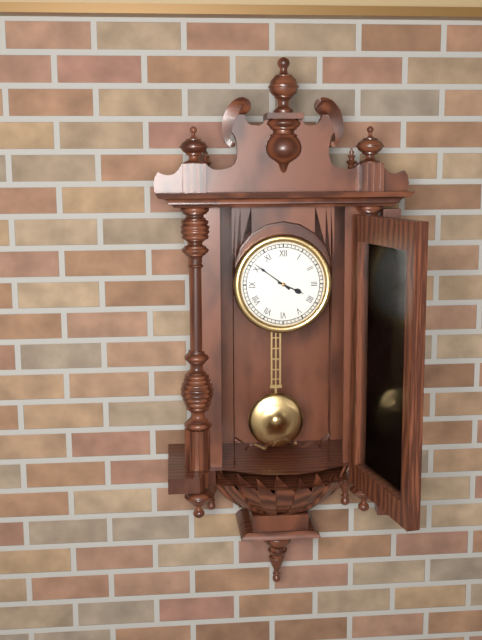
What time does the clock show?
3:51
